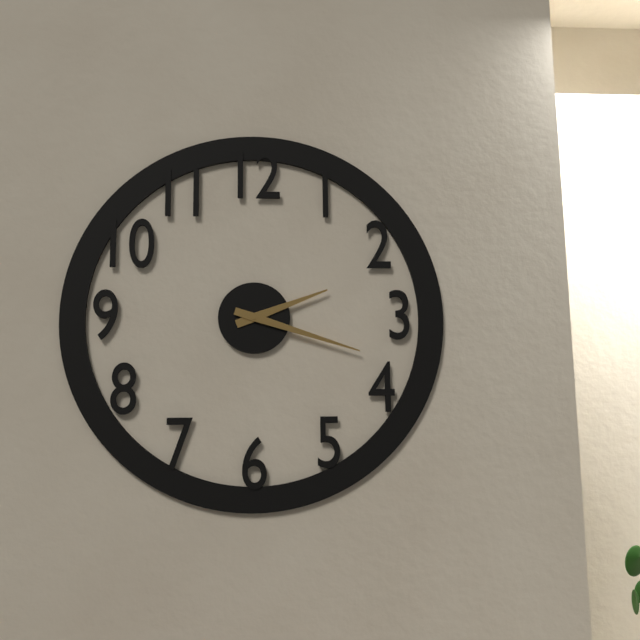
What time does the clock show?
2:18
